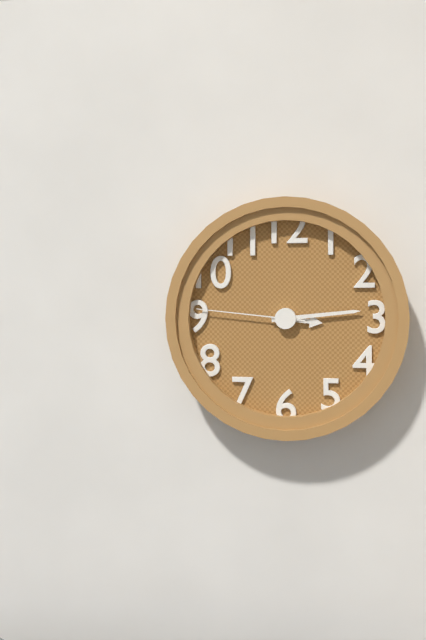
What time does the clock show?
3:14:46
